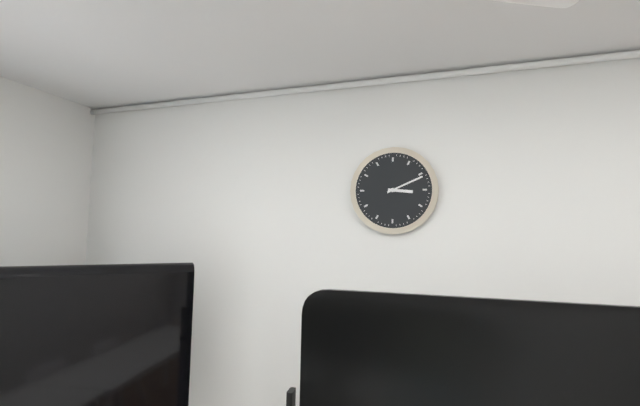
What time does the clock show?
3:11
